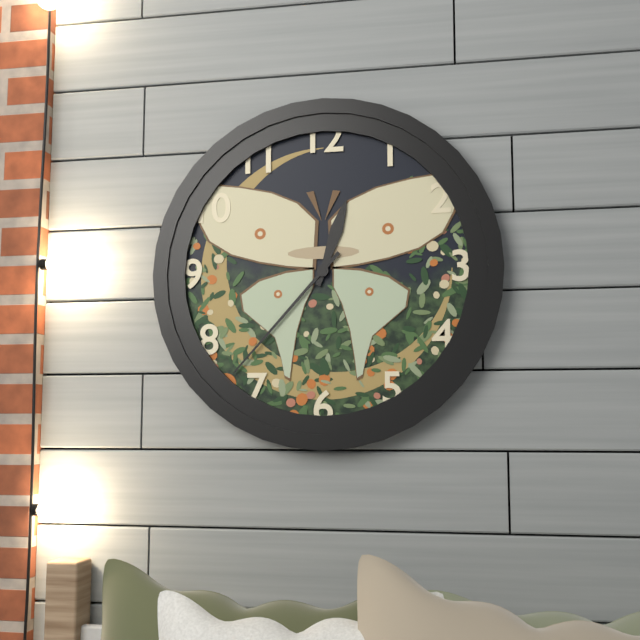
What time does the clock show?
12:37
